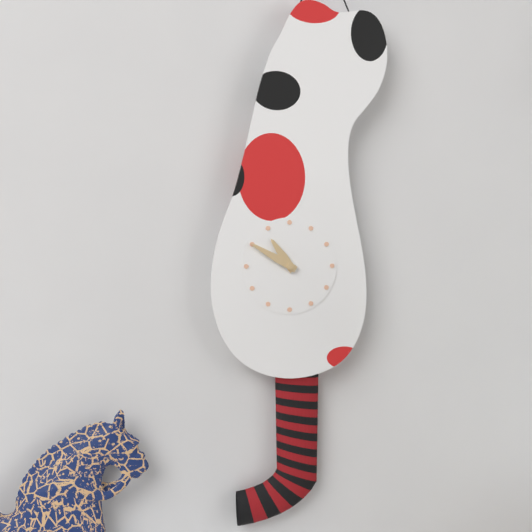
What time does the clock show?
10:50
